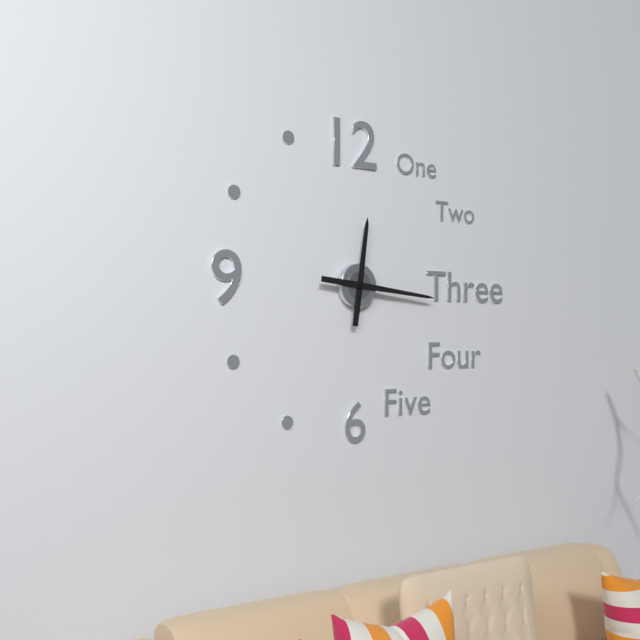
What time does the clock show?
12:16
